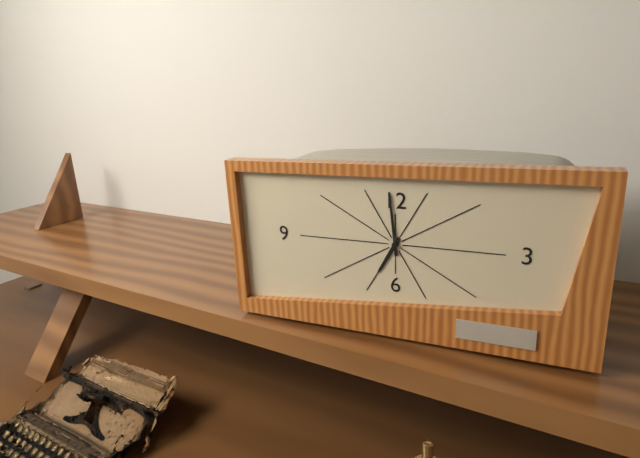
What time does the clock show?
6:59
